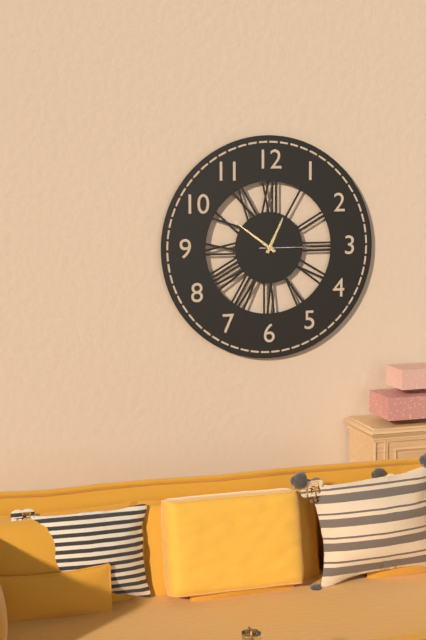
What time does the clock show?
12:51:15
